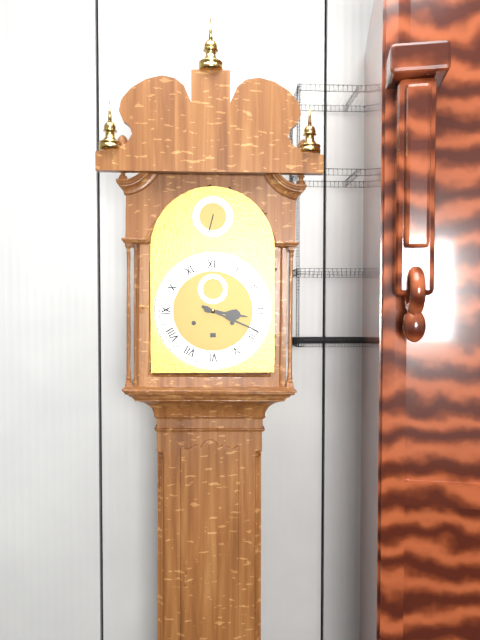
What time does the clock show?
3:19
